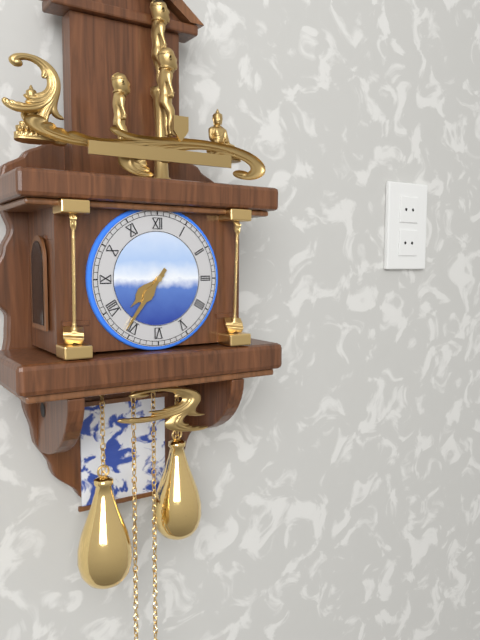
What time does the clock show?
7:36
